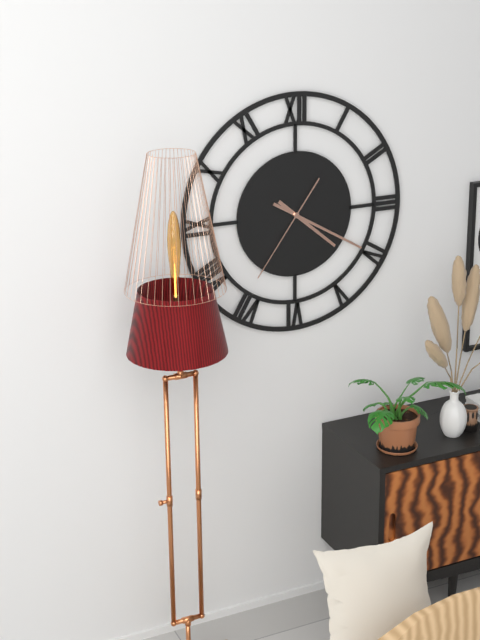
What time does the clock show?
4:20:36
